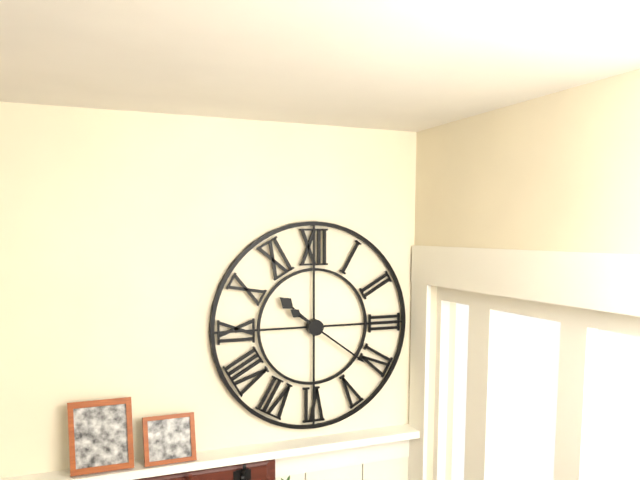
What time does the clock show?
10:21
